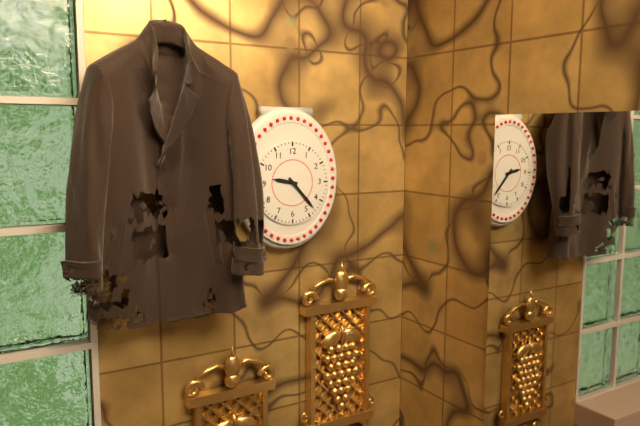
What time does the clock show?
9:23
